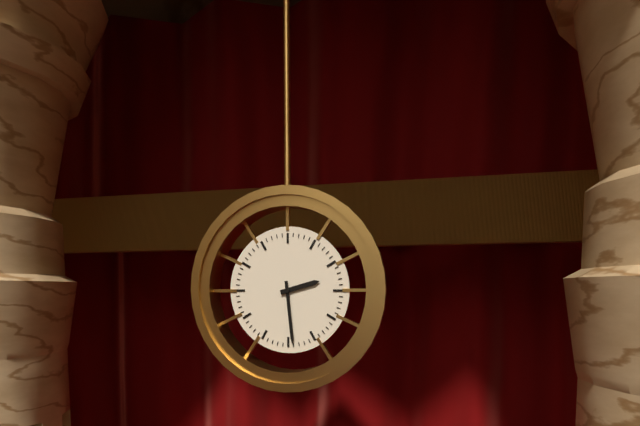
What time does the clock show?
2:29
